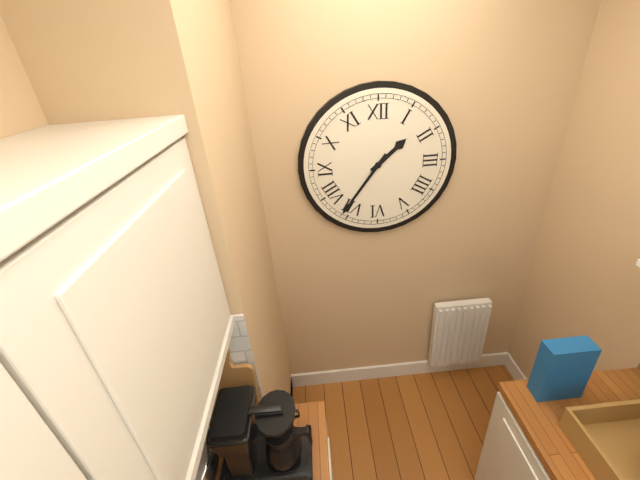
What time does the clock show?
1:36
